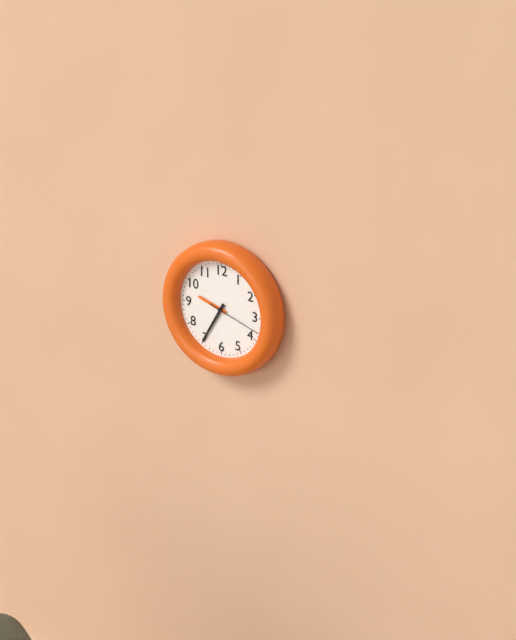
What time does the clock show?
9:35:18
